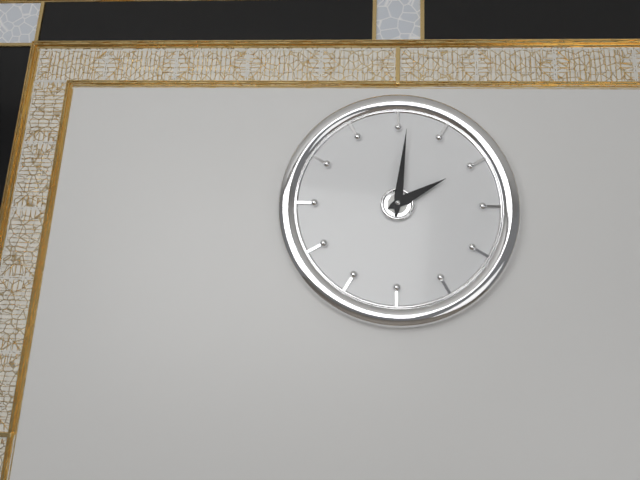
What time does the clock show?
2:01
